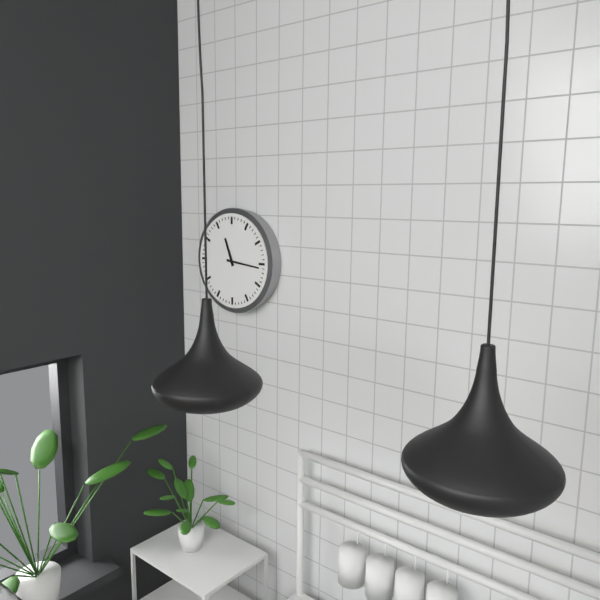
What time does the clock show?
11:16
